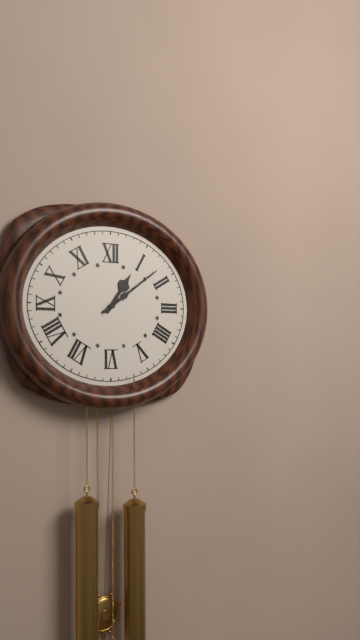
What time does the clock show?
1:09
